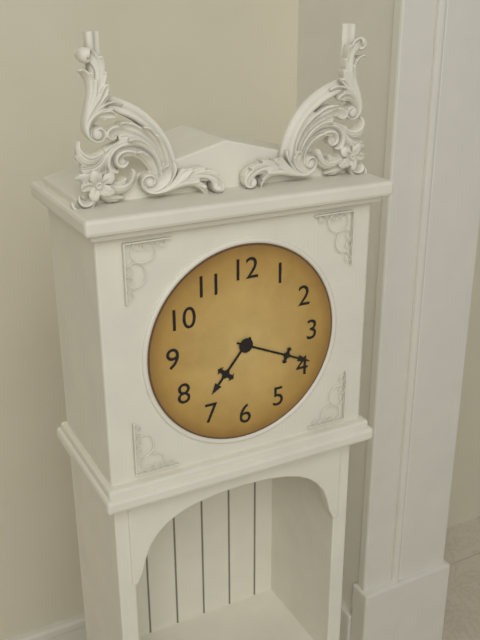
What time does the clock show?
7:19
